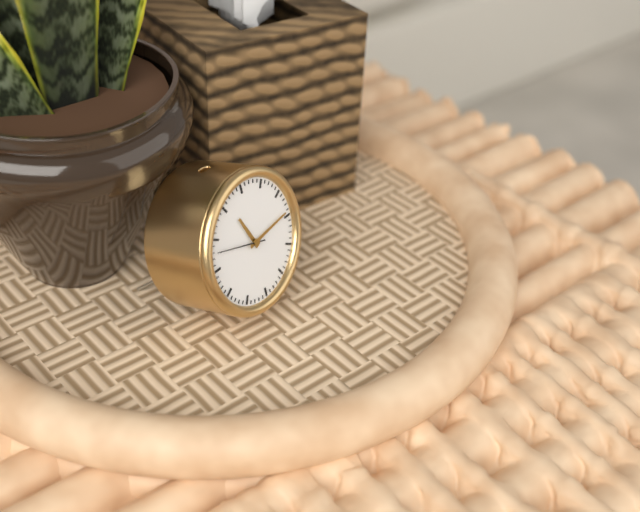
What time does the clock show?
11:14:48
